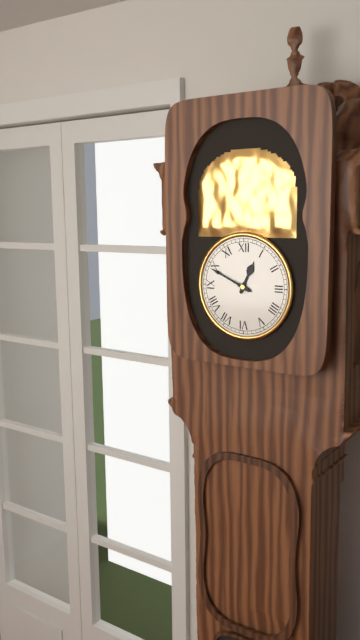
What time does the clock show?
12:49
